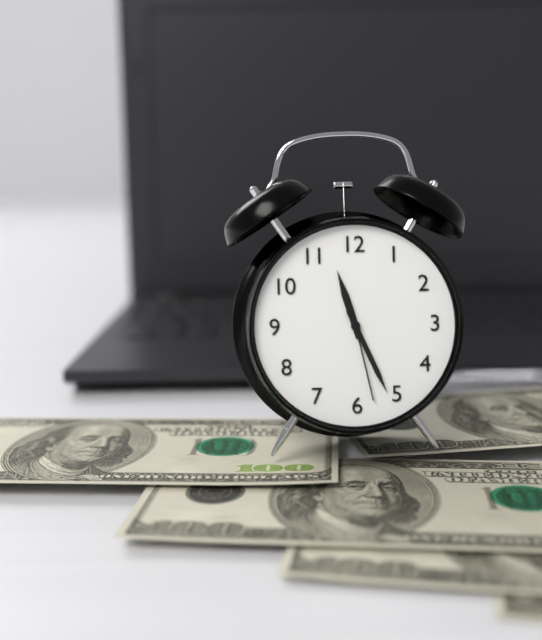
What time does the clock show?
11:26:28
